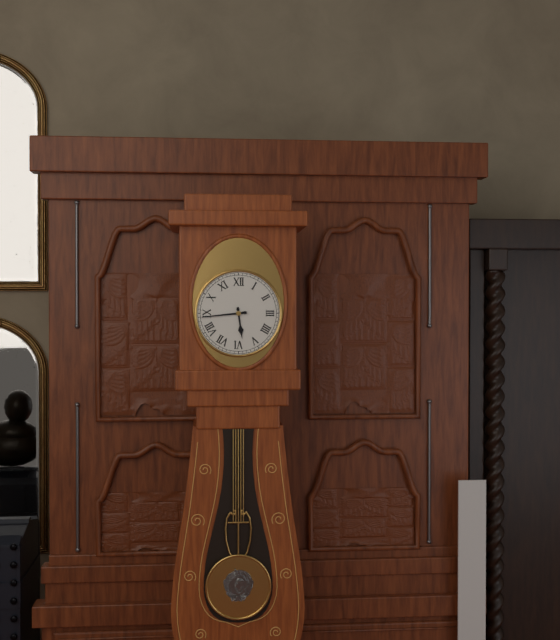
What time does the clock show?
5:44
